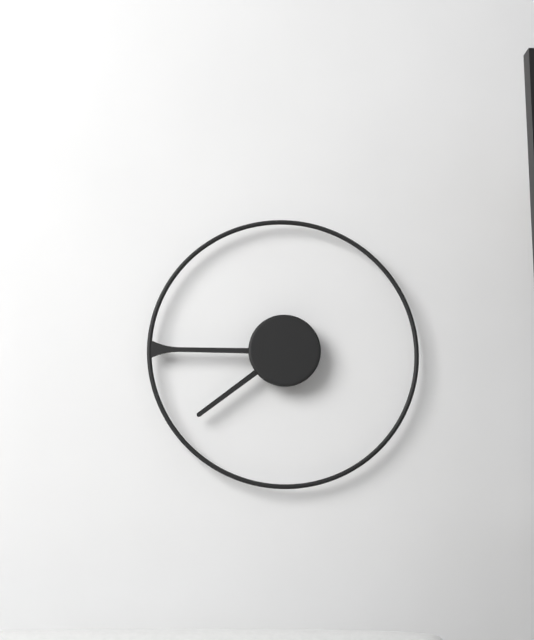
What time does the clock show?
7:45
